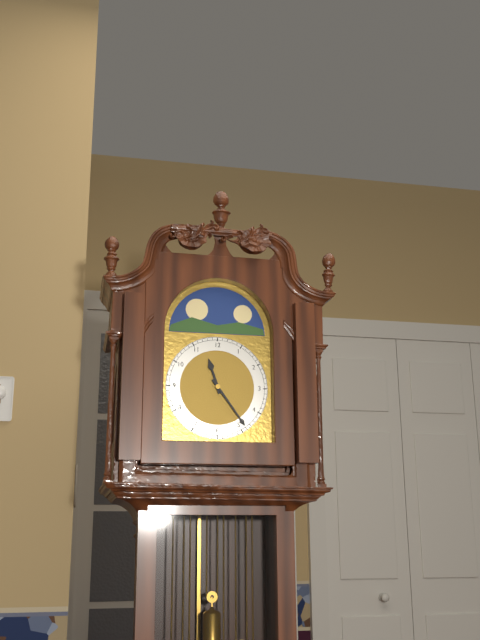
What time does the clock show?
11:24
